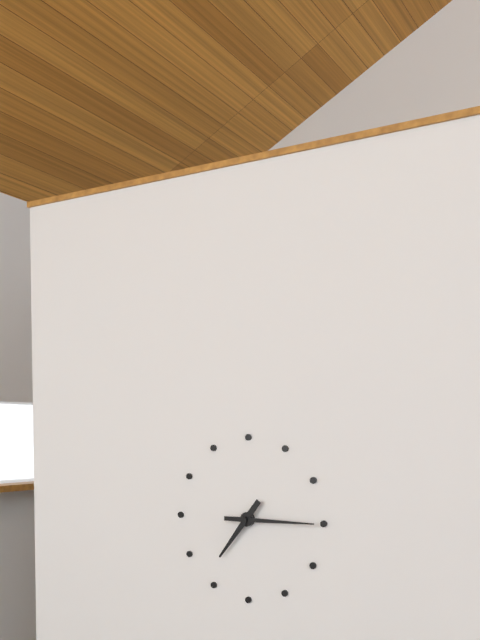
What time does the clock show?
7:15
